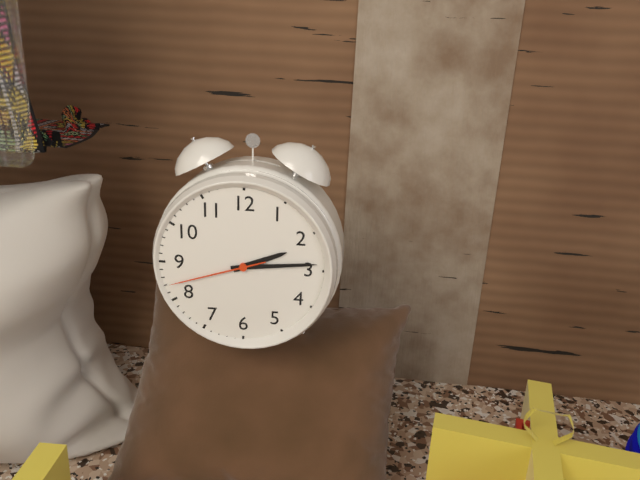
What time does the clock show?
2:14:42
